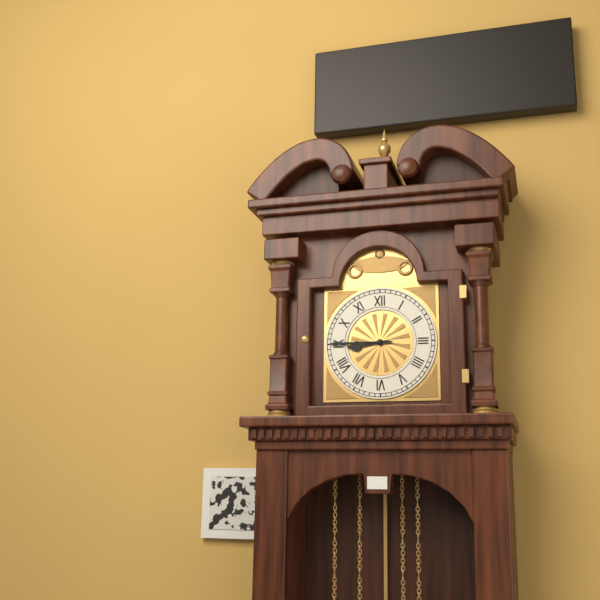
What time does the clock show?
8:45
